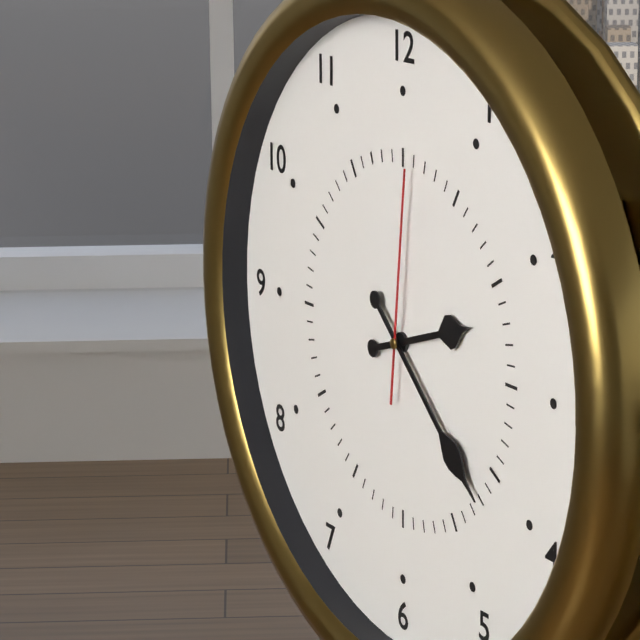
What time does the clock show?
2:22:01
